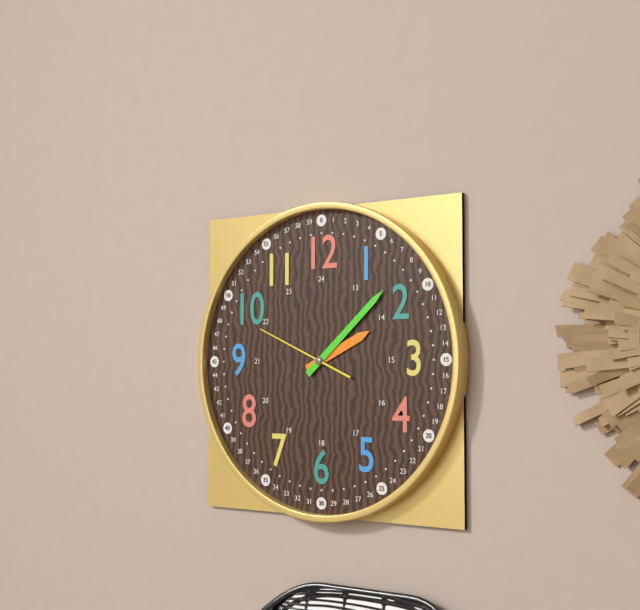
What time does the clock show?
2:08:49
